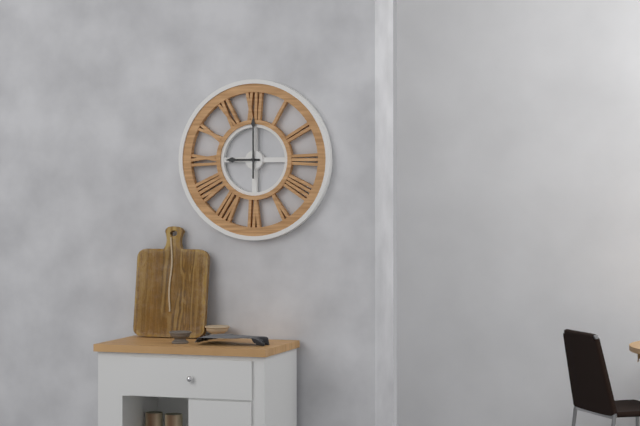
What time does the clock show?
9:00
